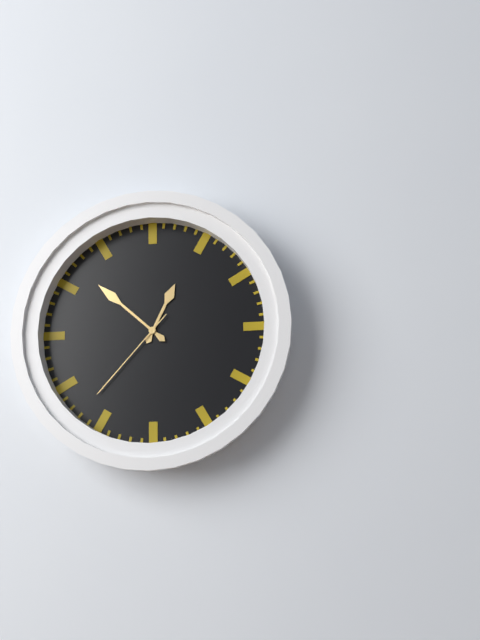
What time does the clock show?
12:52:37
